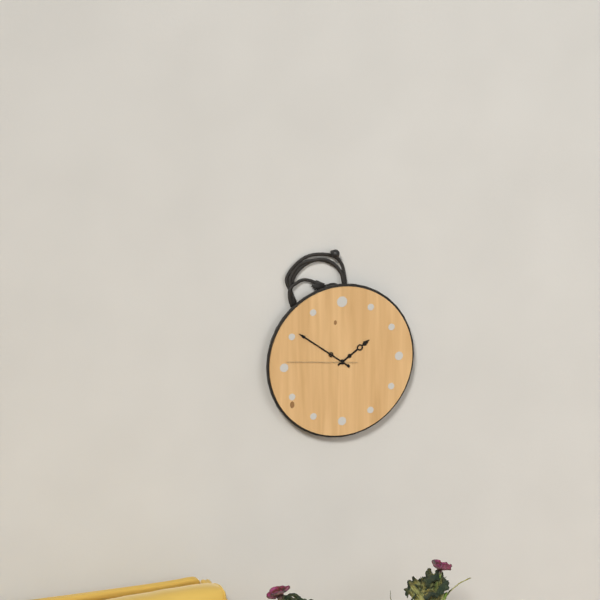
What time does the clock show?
1:51:46
